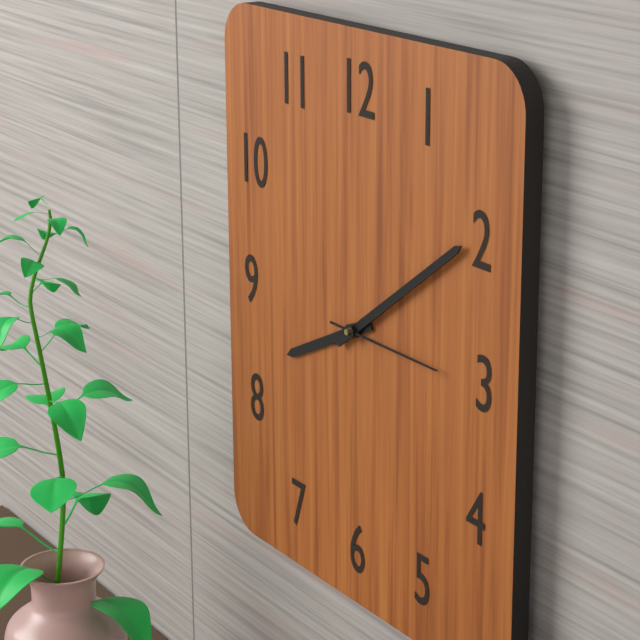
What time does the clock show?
8:09:15
